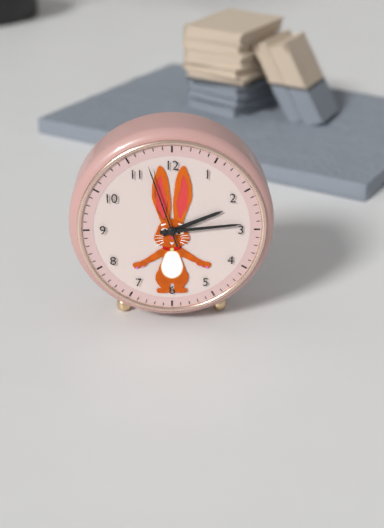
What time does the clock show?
2:14:57
